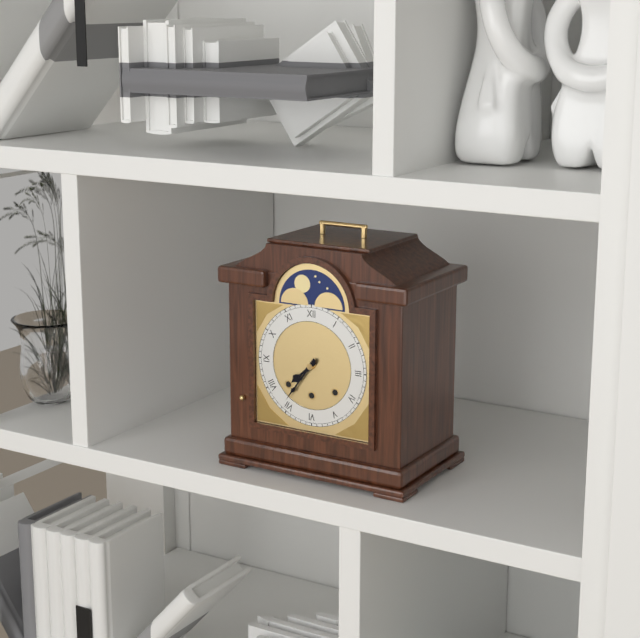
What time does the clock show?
7:36
